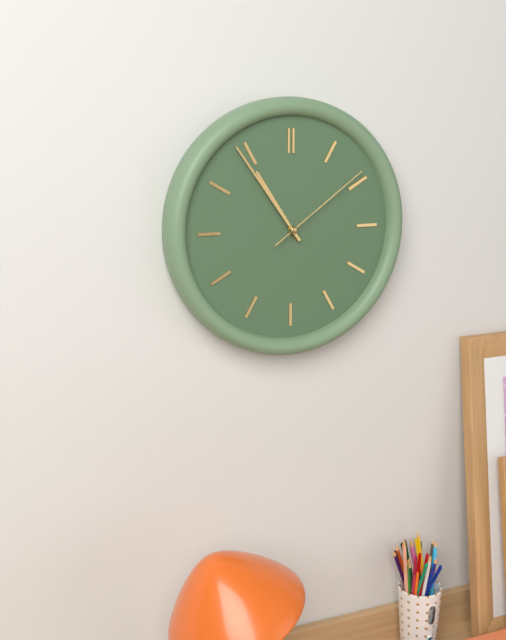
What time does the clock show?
10:54:09
